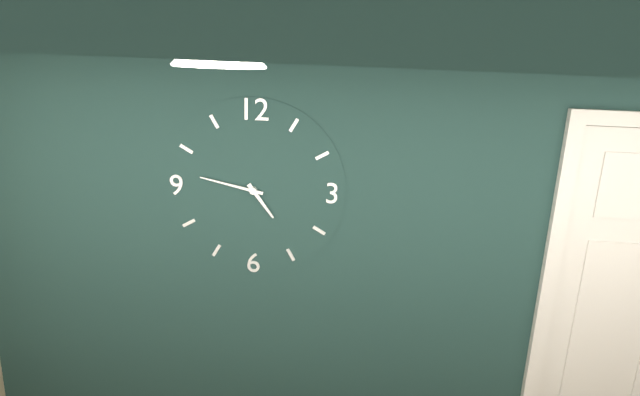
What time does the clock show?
4:47
